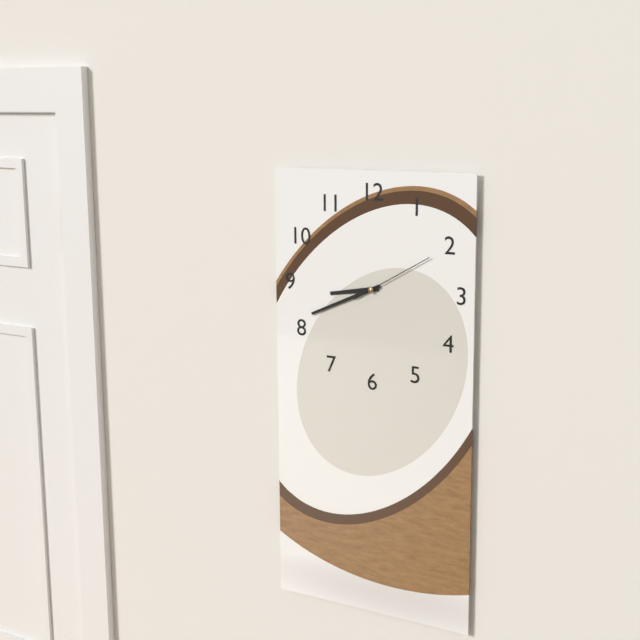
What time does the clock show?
8:41:10
